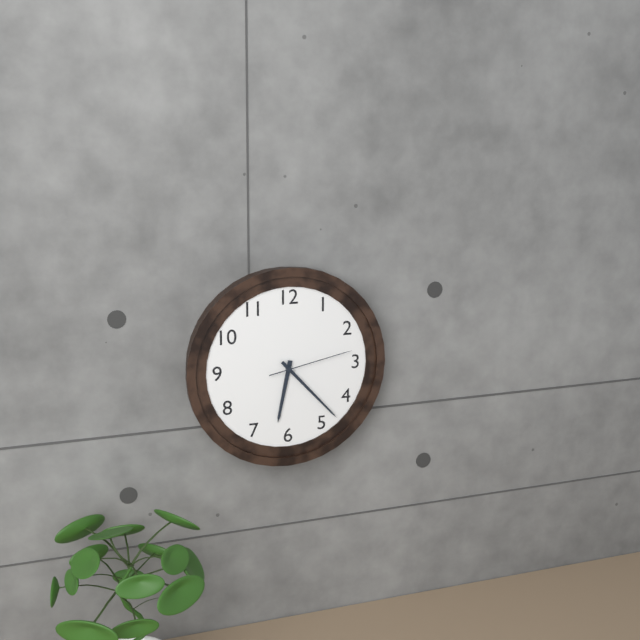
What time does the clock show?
6:23:13
